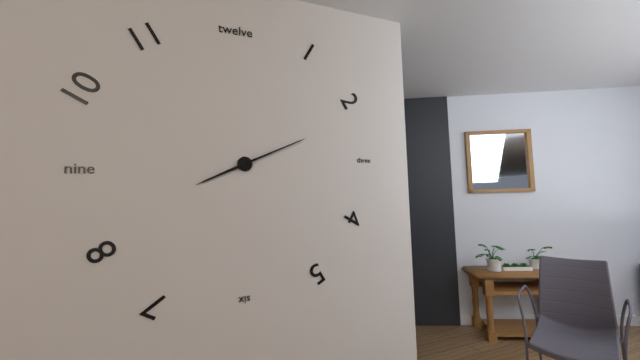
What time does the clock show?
8:11
